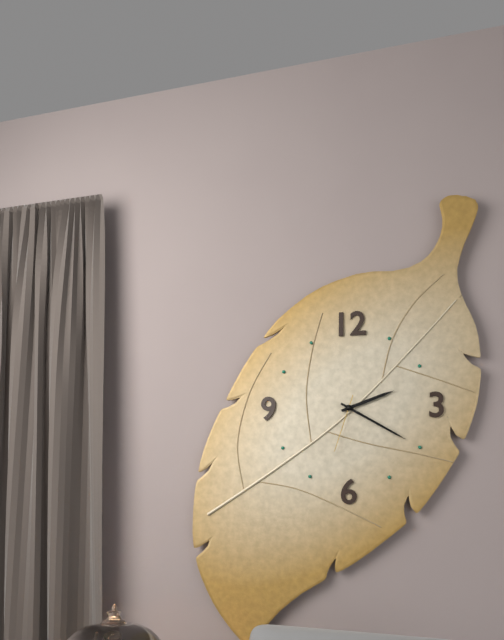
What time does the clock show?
2:20:33
